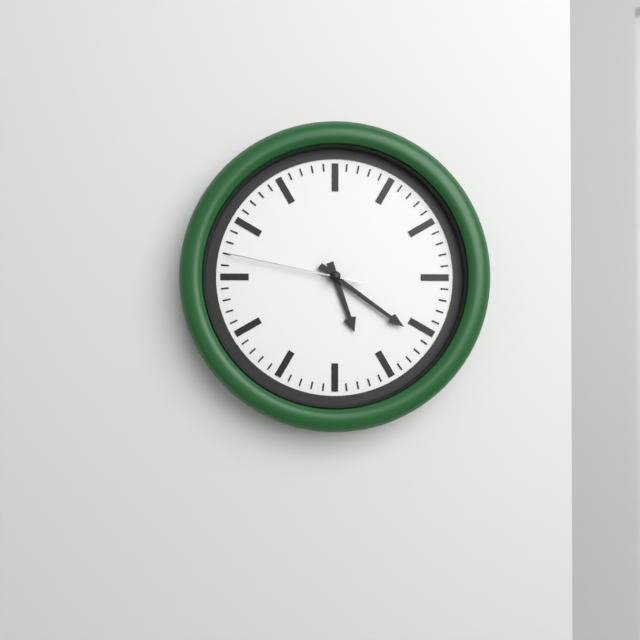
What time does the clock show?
5:21:47
